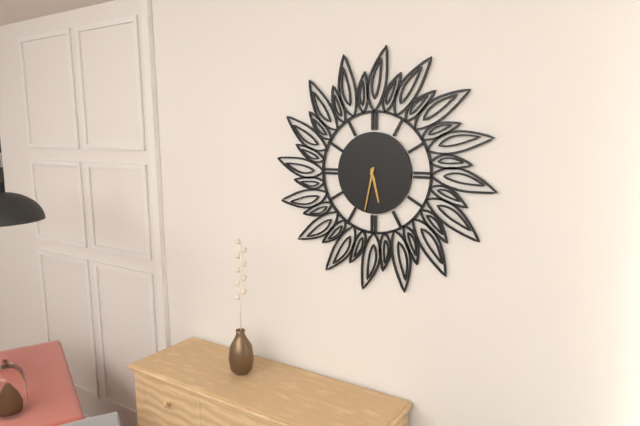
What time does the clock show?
5:32
